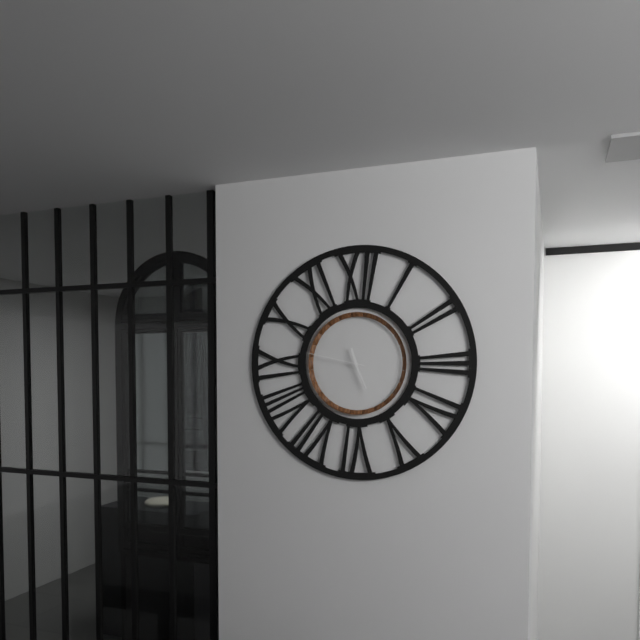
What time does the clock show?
11:26:47
